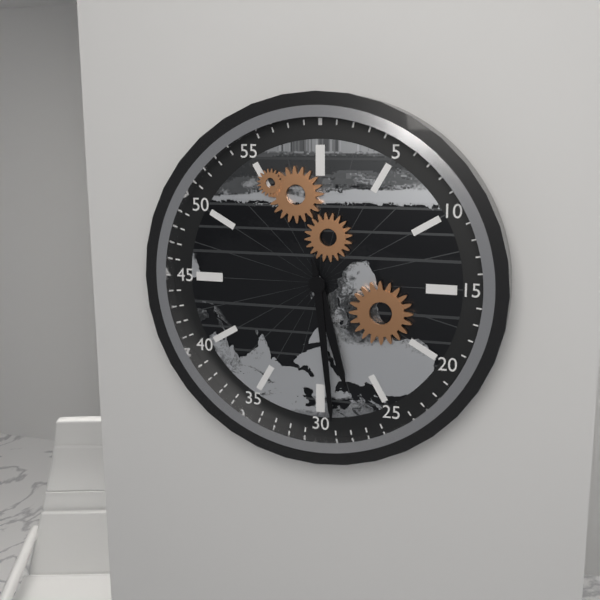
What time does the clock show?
5:29
